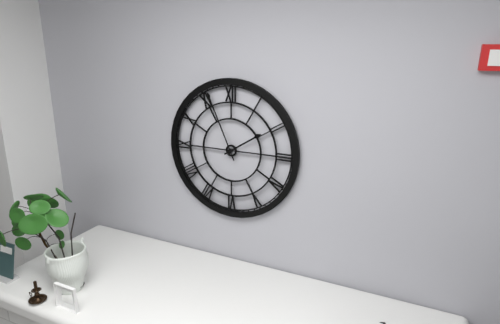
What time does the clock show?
1:56
